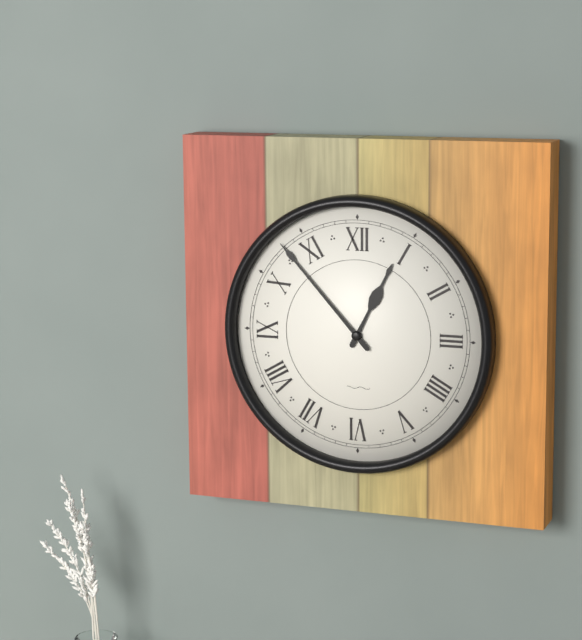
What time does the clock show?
12:53
